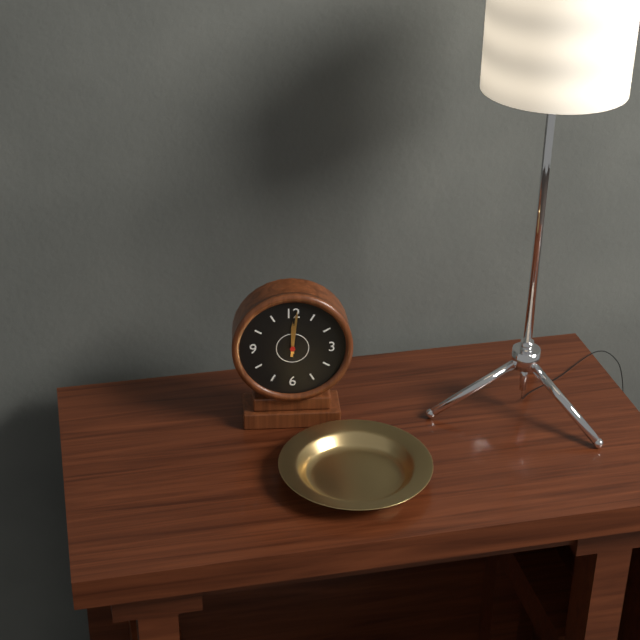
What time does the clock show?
12:01
